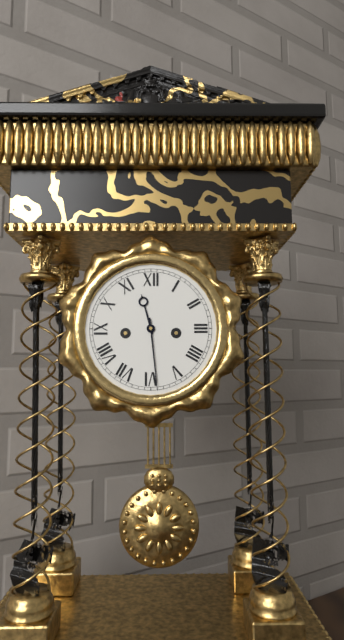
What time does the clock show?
11:29
